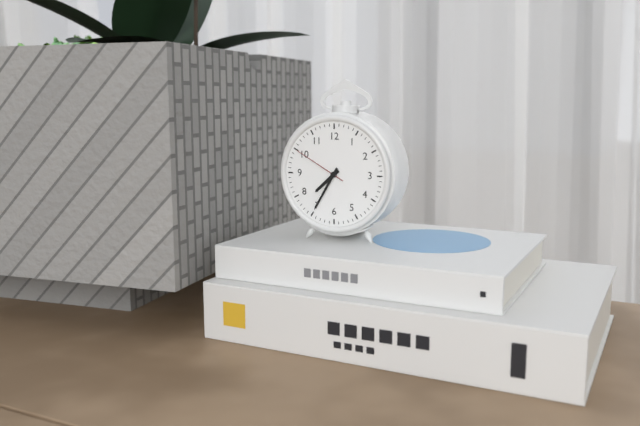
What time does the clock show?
7:35:50
